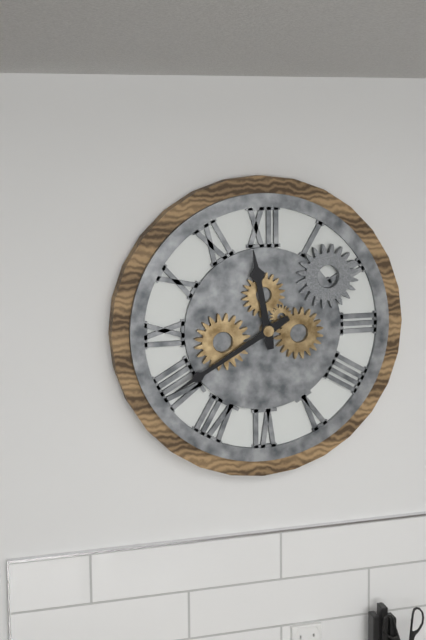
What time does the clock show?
11:40
